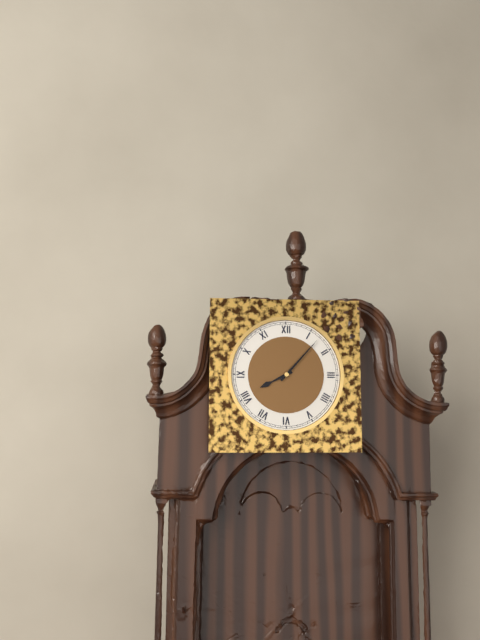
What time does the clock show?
8:07
